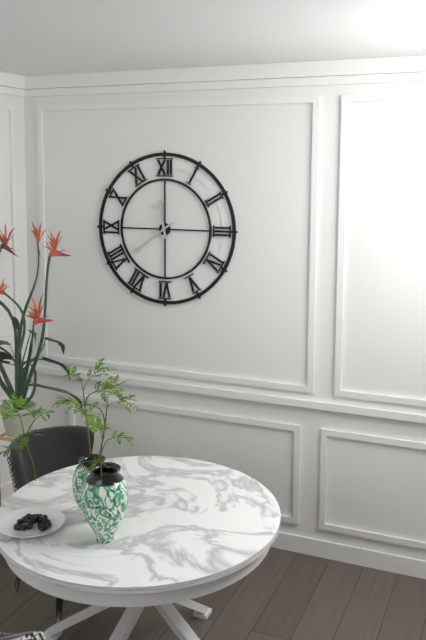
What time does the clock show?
11:39
